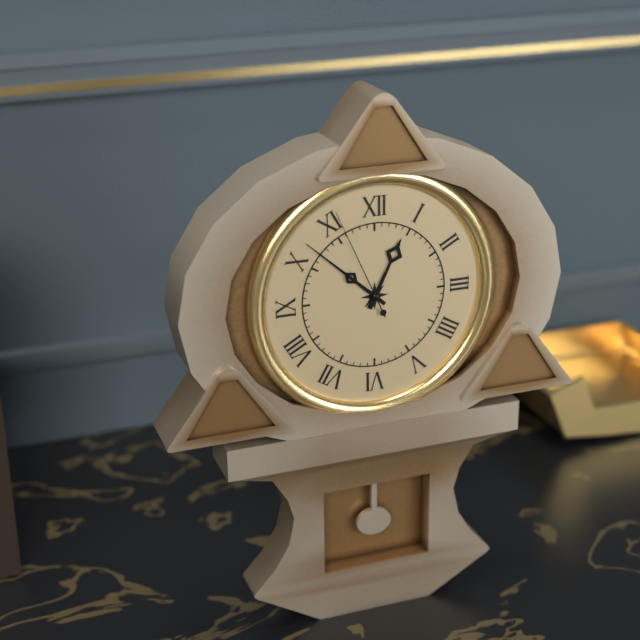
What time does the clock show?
12:52:56
